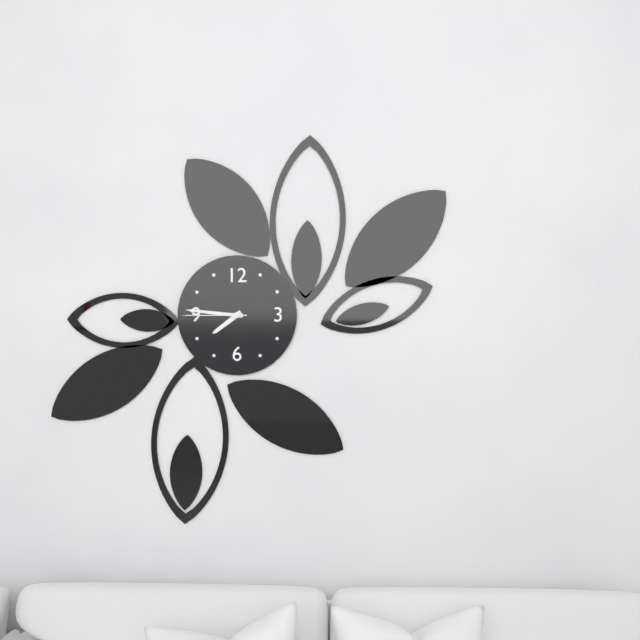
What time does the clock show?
7:46:45
